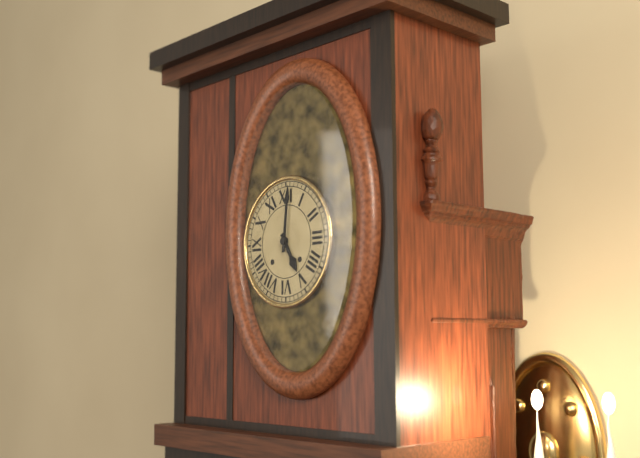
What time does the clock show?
5:01
